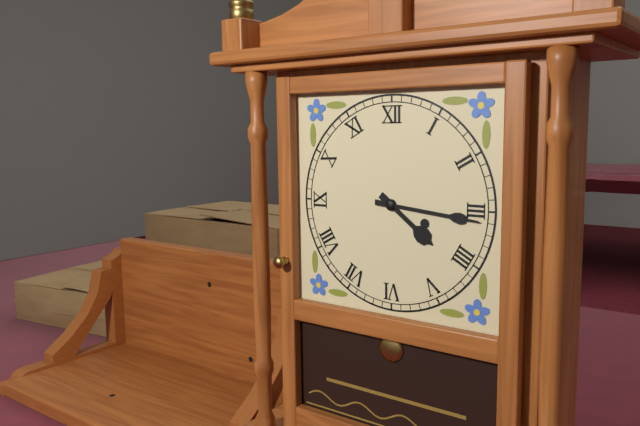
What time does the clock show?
4:16
